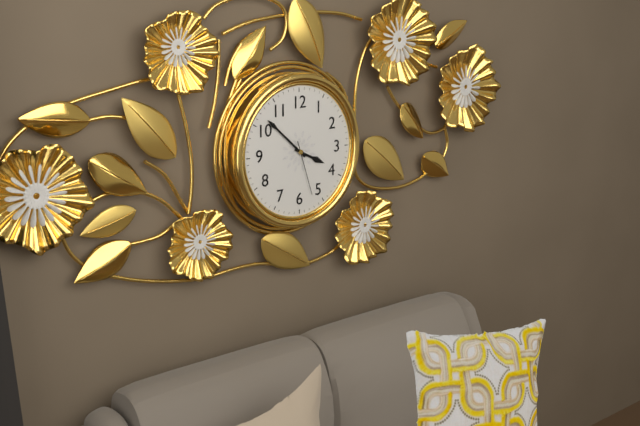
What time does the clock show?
3:52:27
